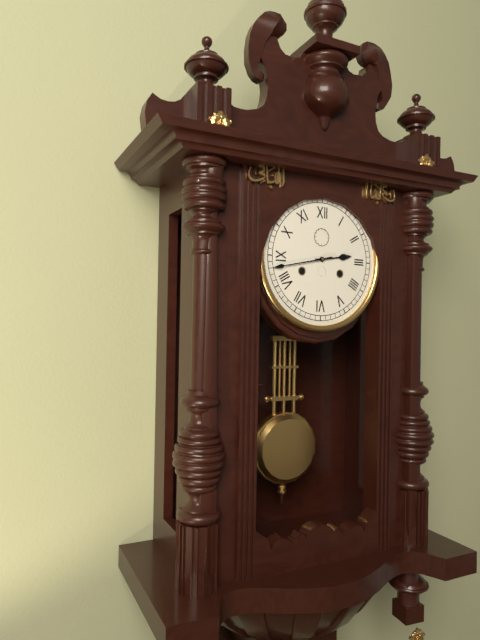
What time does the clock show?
2:43
